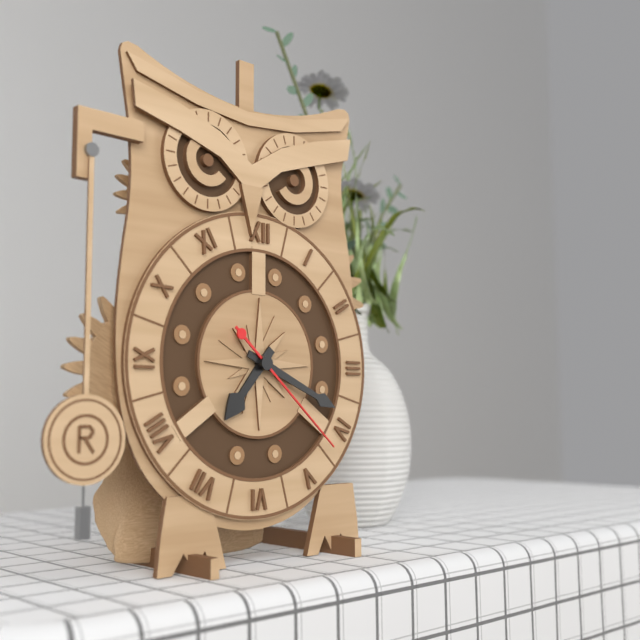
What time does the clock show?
7:19:22
